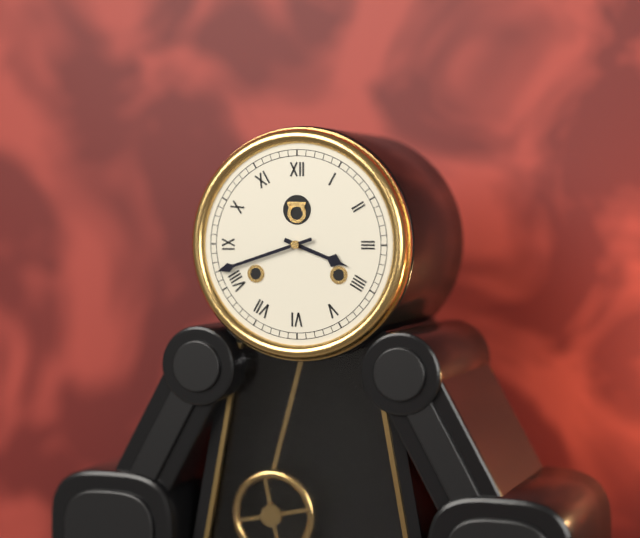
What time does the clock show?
3:42
